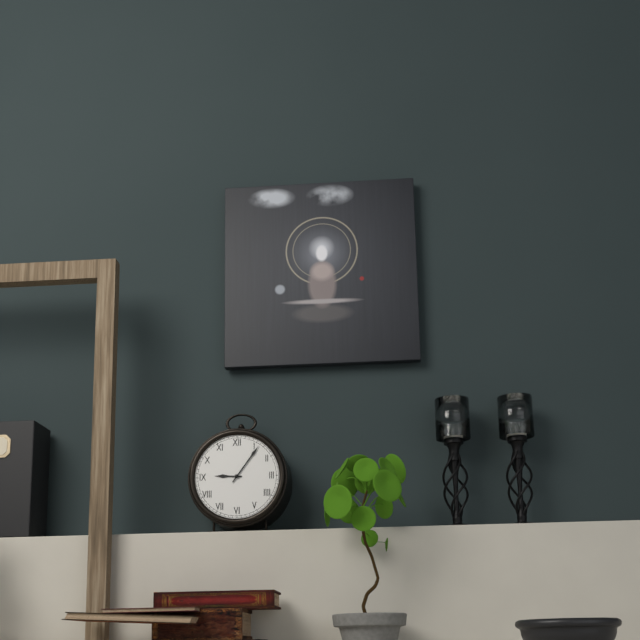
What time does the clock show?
9:06
